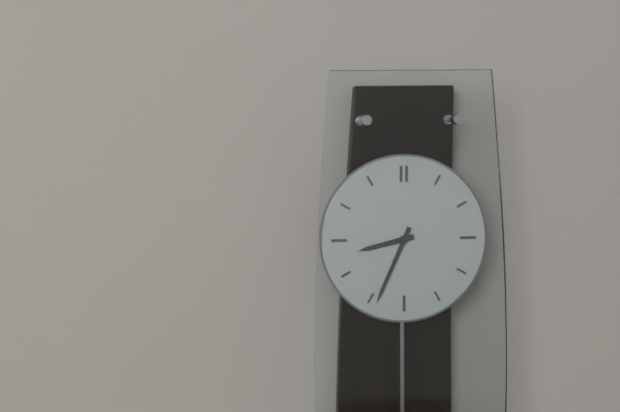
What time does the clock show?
8:34
